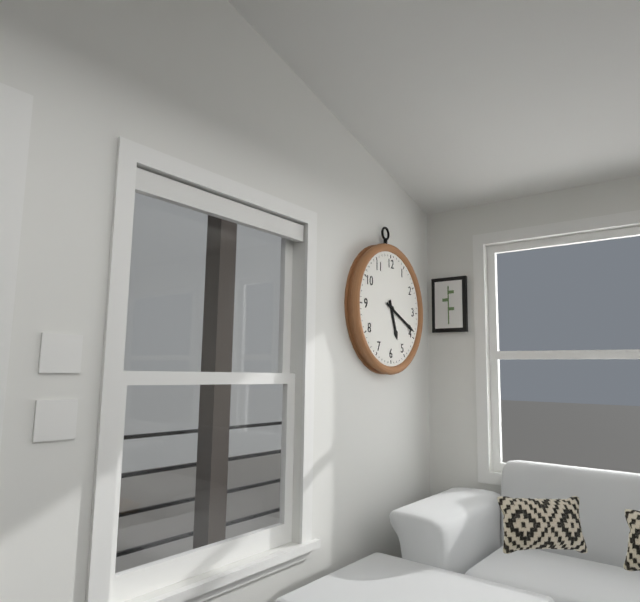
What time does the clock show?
5:19
